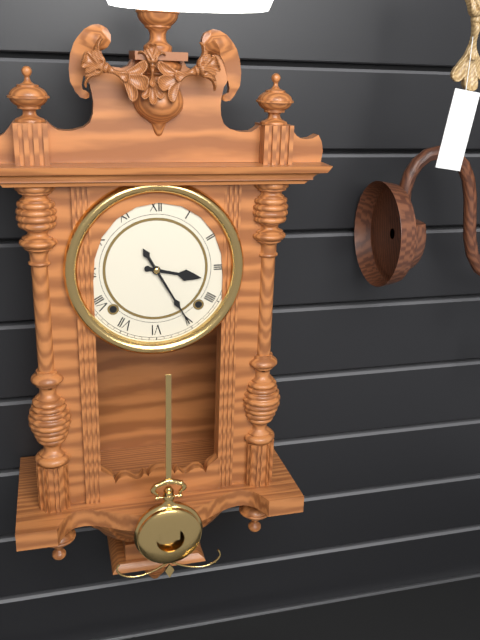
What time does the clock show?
3:25
